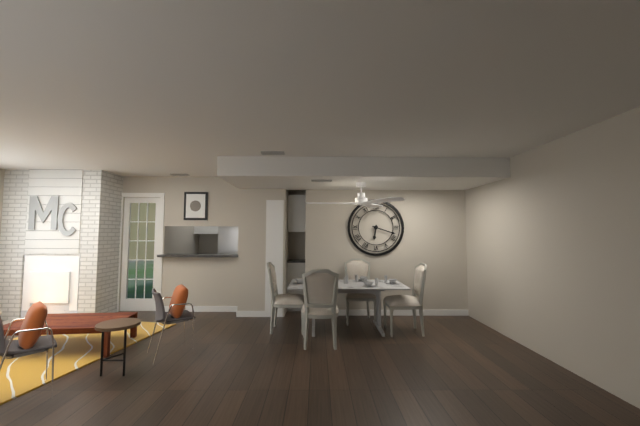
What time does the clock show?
6:18
